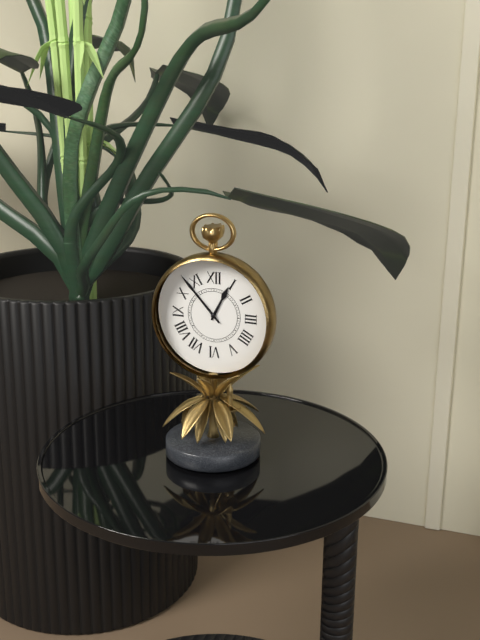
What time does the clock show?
12:53
